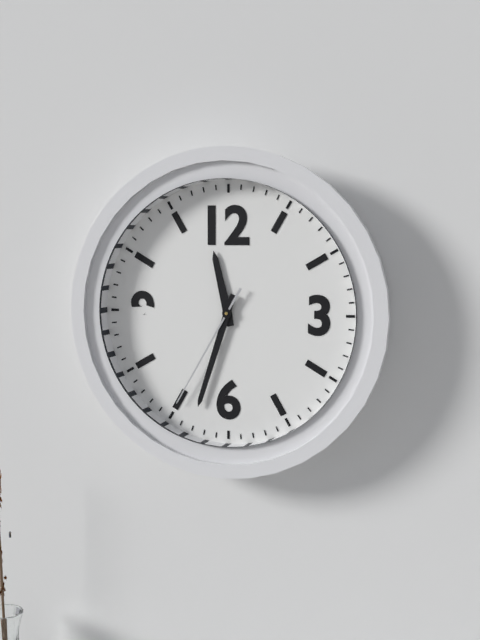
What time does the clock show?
11:33:35
